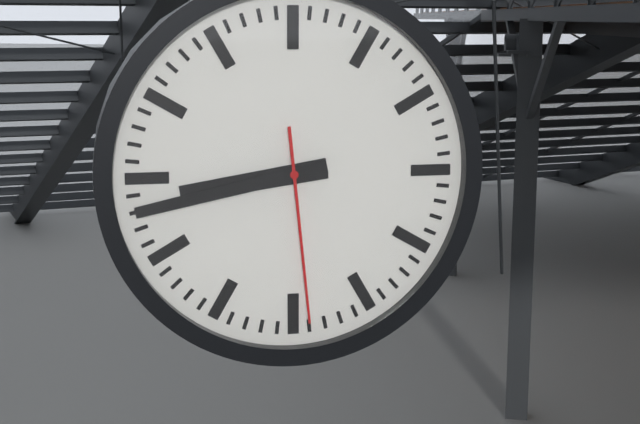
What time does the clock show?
8:43:29
